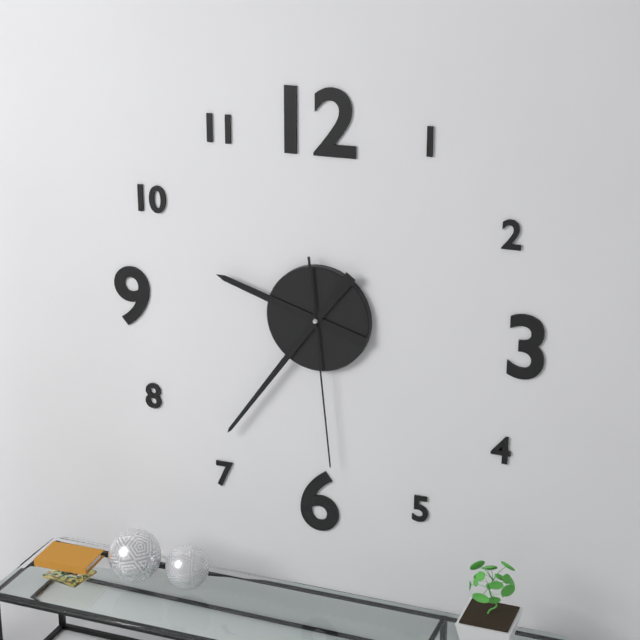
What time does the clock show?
9:36:29
